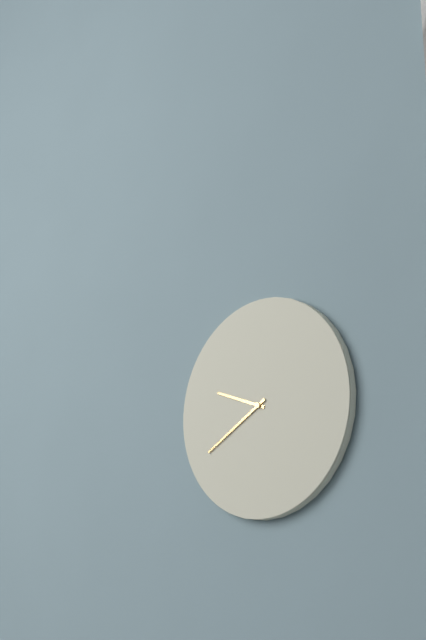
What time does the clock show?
9:40
